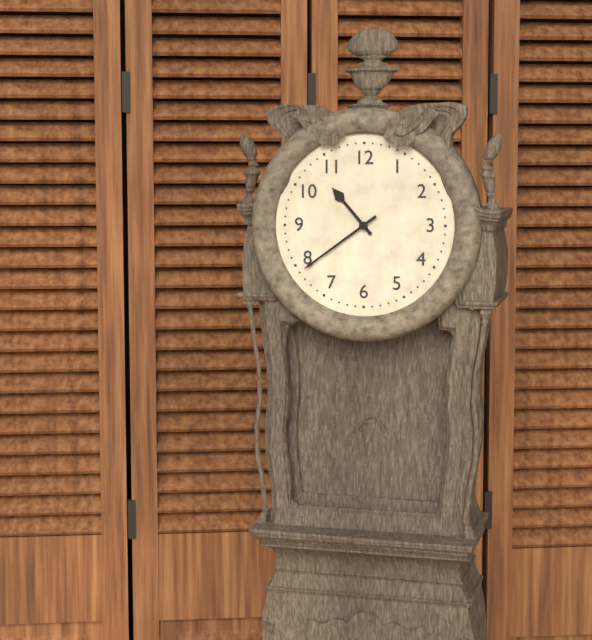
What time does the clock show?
10:39
